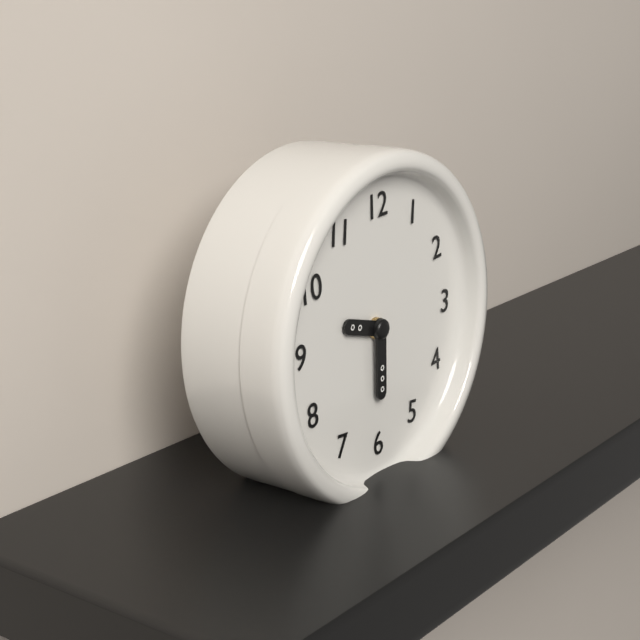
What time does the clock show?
9:30
